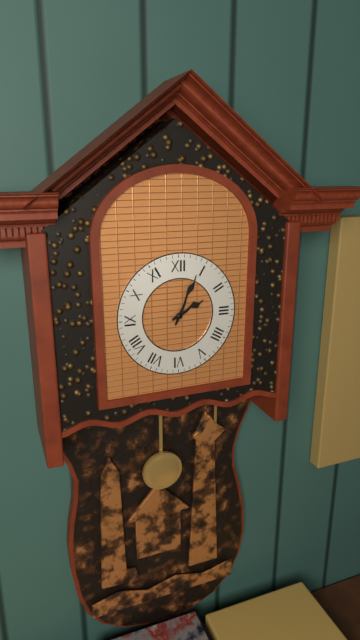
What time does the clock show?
2:04
